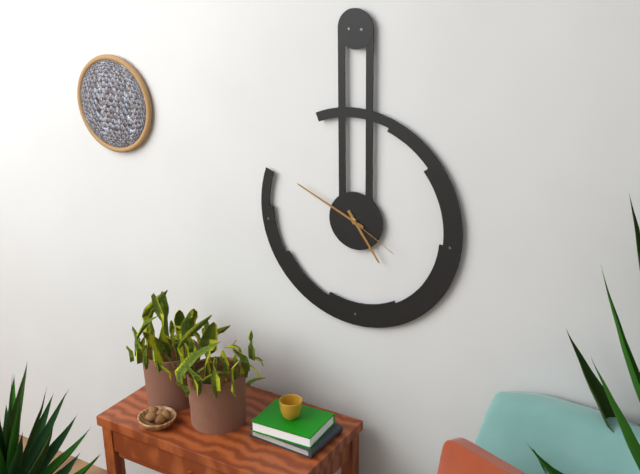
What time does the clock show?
4:49:20
